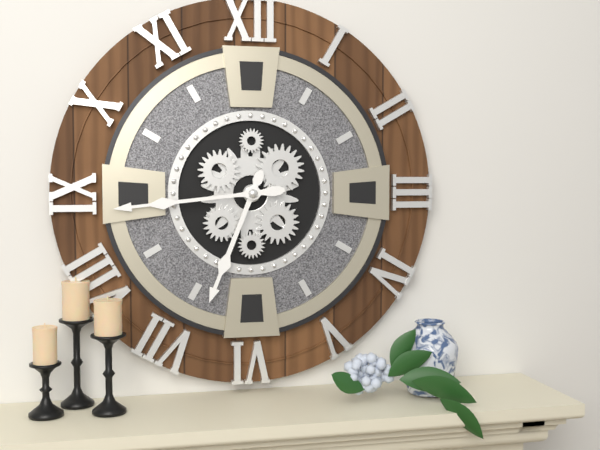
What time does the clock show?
6:44
